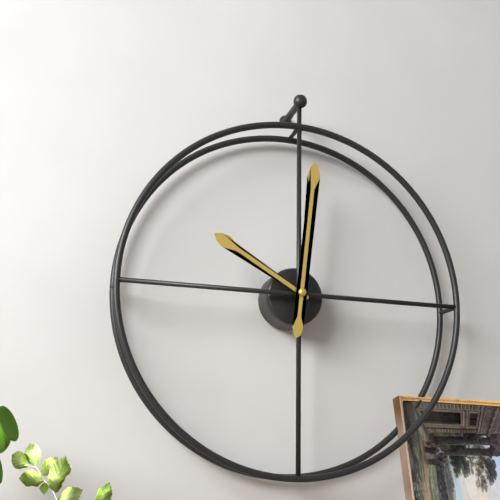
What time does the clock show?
10:01
